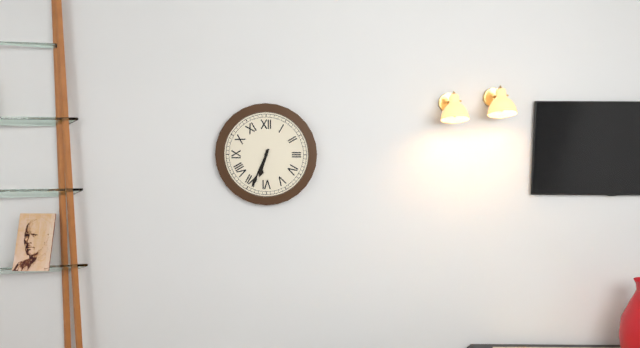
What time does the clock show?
6:34
